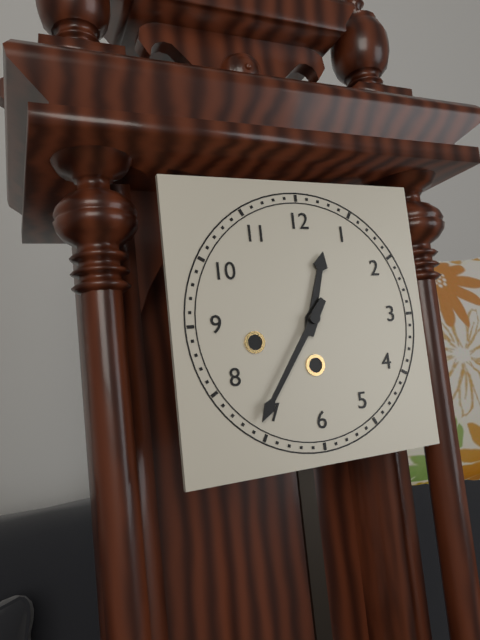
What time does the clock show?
12:36
